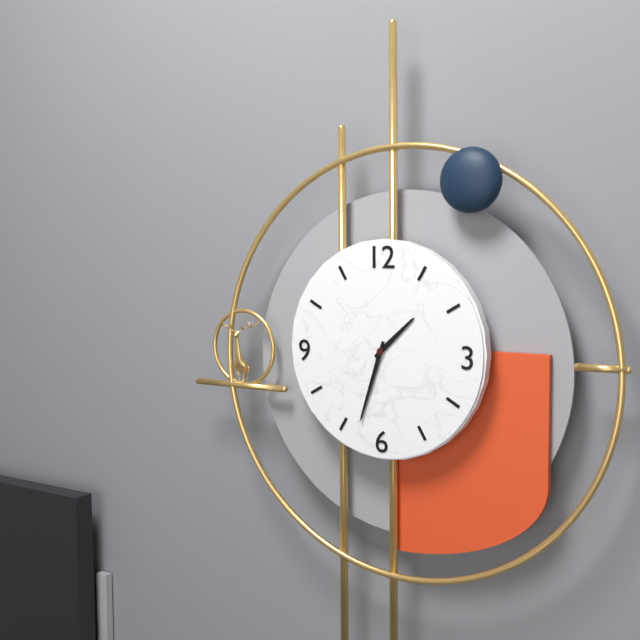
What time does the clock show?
1:33
